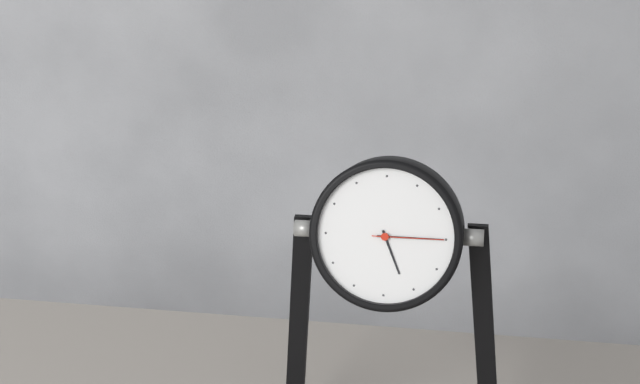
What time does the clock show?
5:15:15
